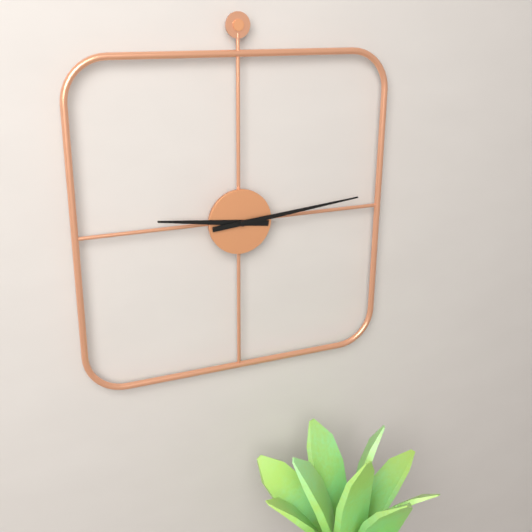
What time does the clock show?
9:14
